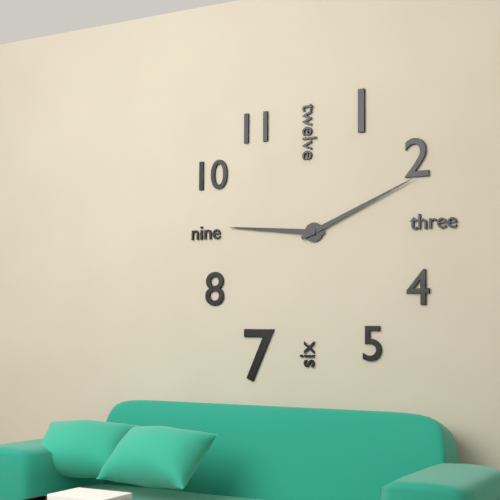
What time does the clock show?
9:11
